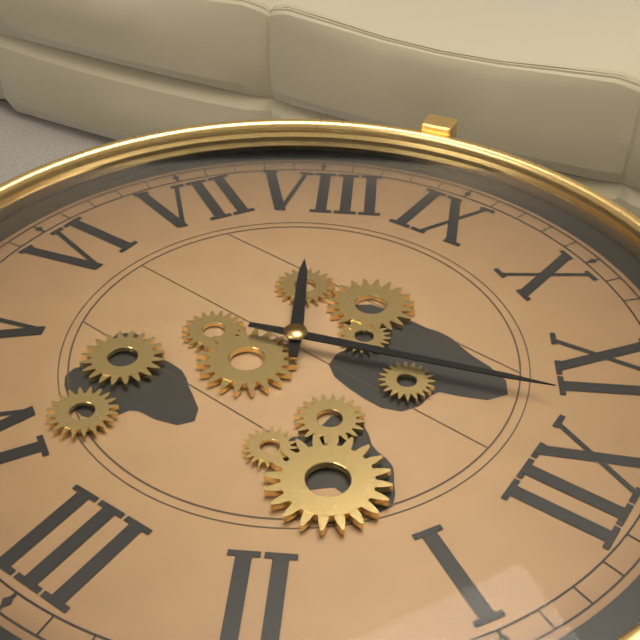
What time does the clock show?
7:57
